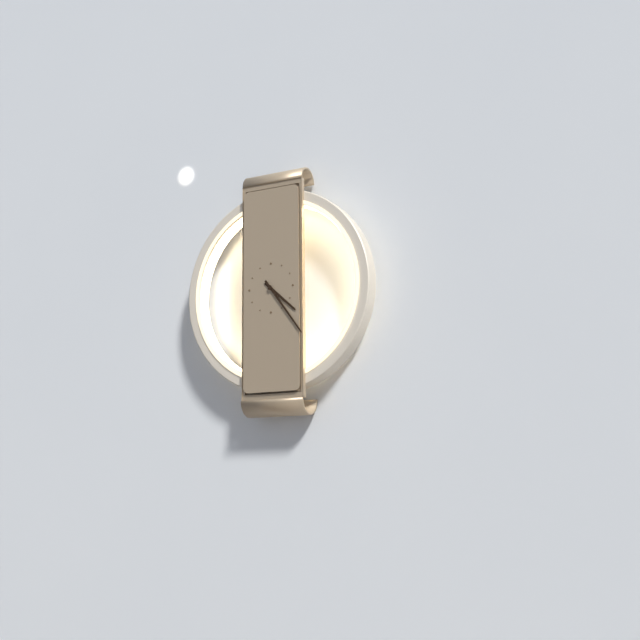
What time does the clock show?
4:24
